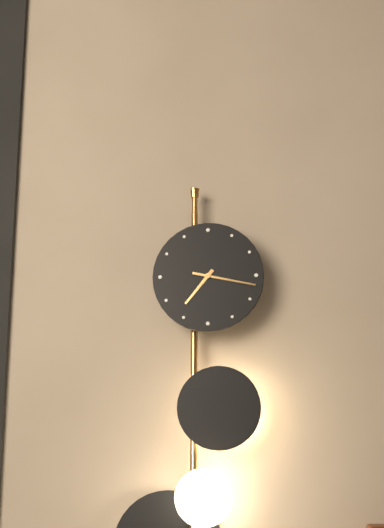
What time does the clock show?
7:17
